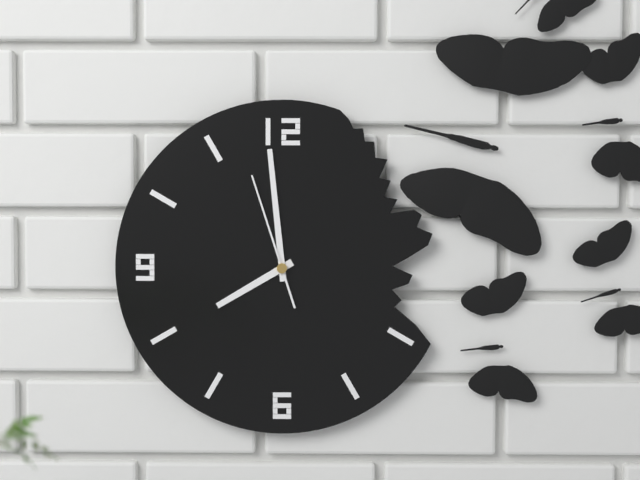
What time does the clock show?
7:59:57
